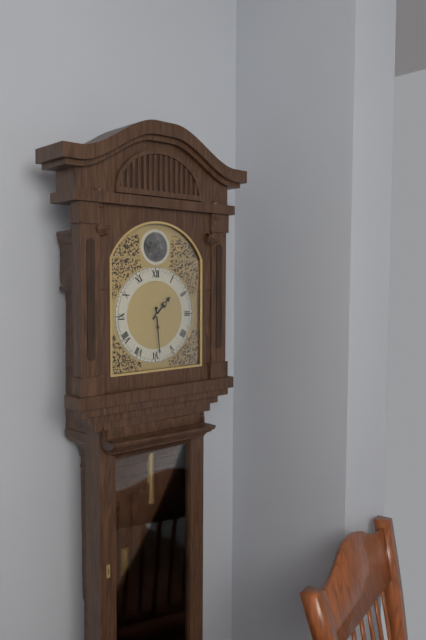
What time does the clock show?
1:29
